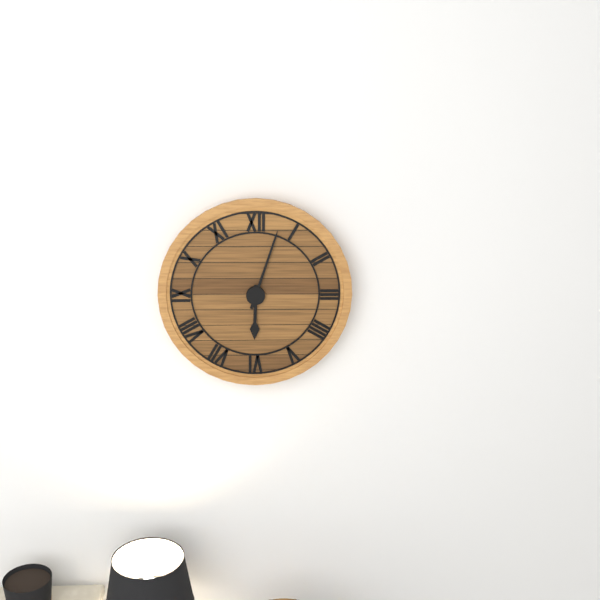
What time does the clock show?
6:03
